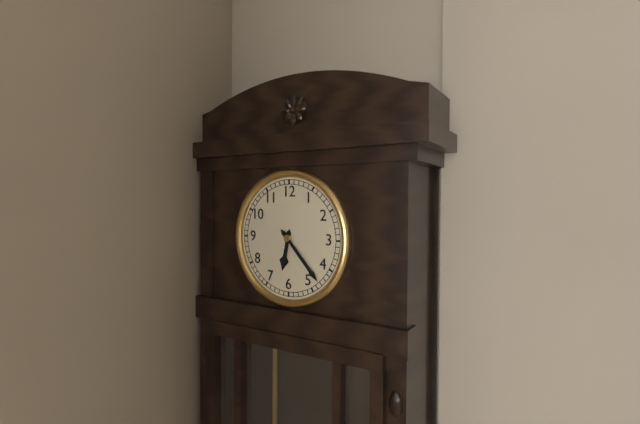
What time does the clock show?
6:23
